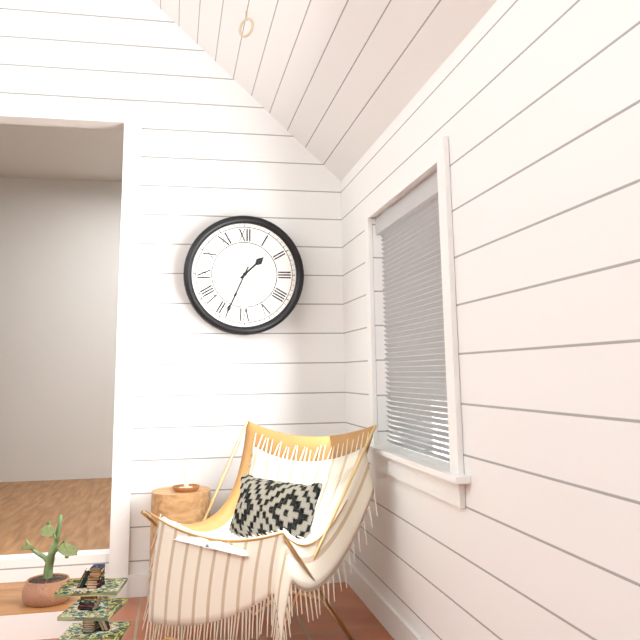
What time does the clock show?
1:34
